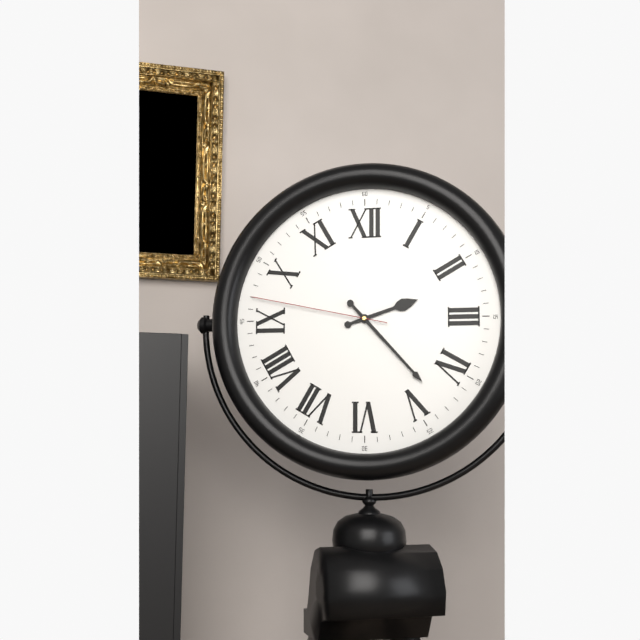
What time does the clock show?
2:23:47
